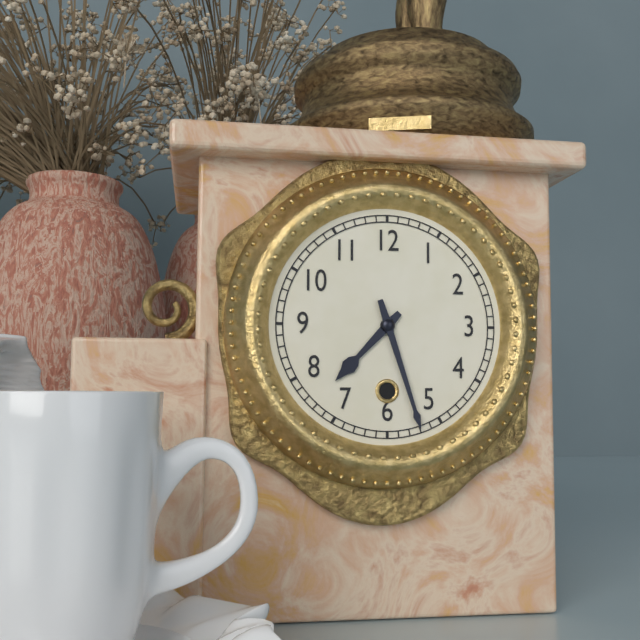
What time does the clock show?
7:27
